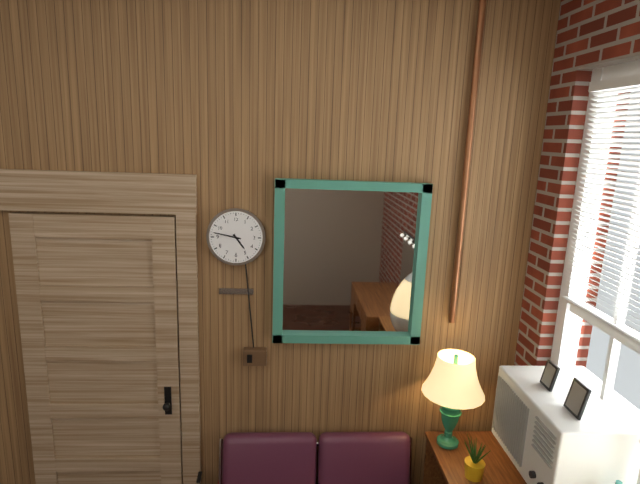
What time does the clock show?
4:47
